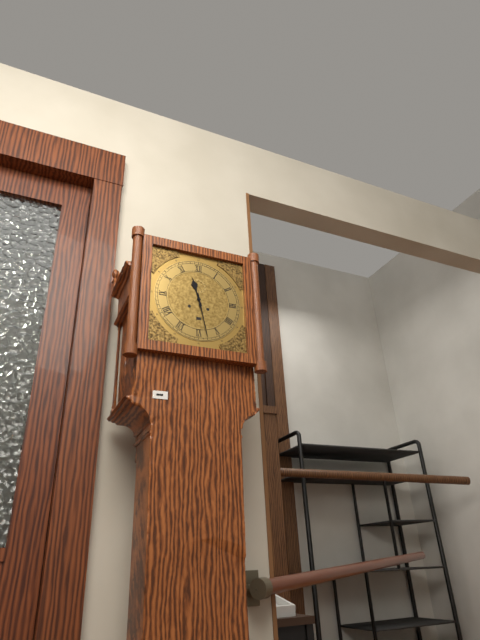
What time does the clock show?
11:28
